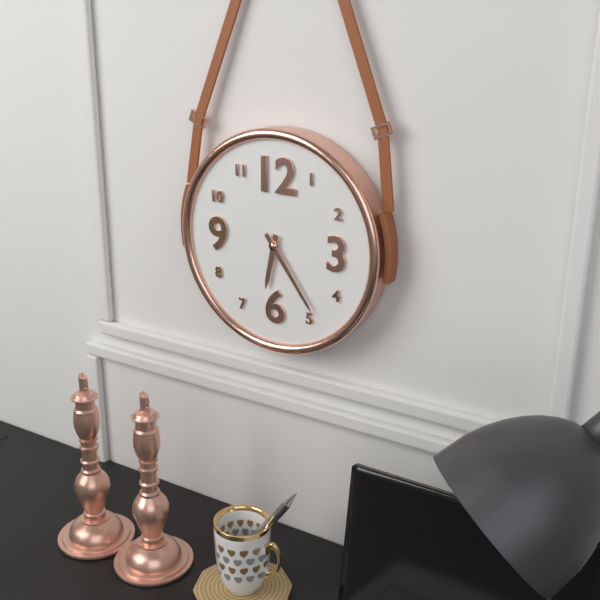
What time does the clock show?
6:24
